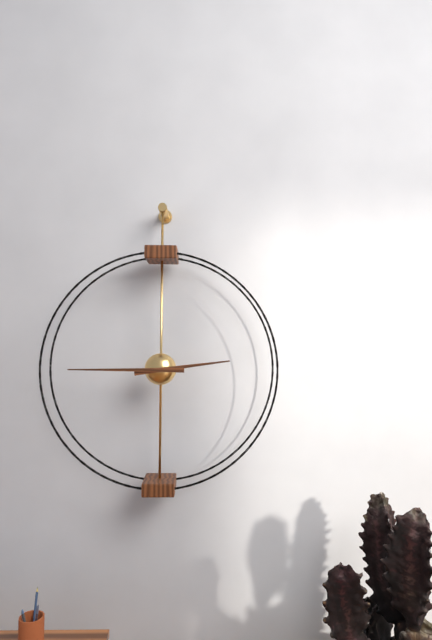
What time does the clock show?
2:45
